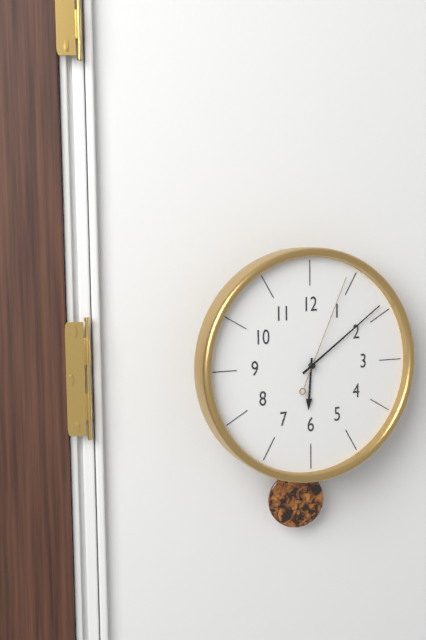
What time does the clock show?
6:09:04
